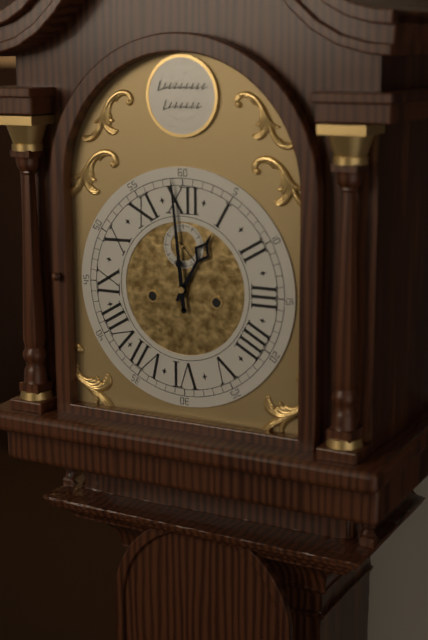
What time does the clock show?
12:59:23
